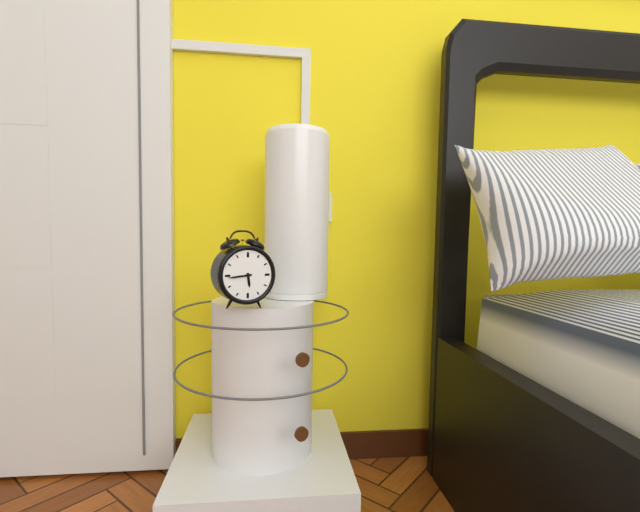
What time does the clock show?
5:44
